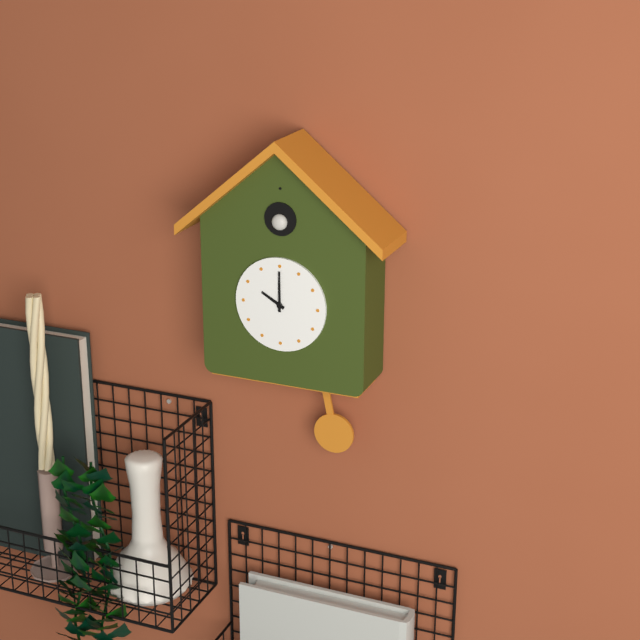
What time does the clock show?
10:00
